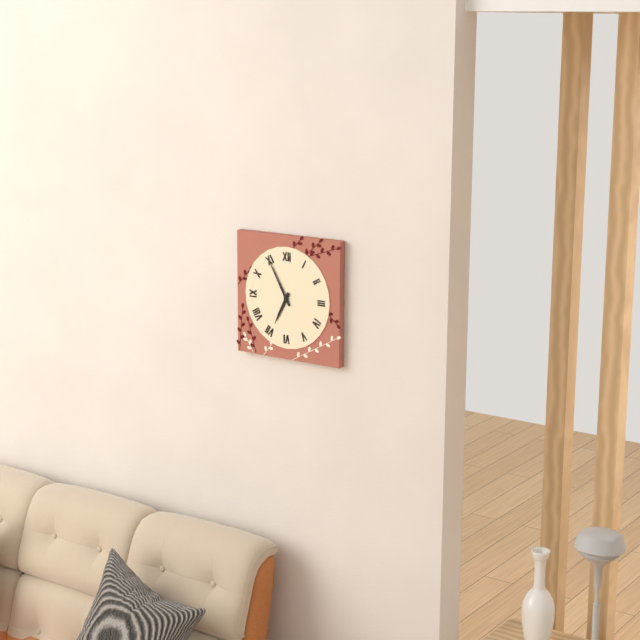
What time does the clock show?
6:55
